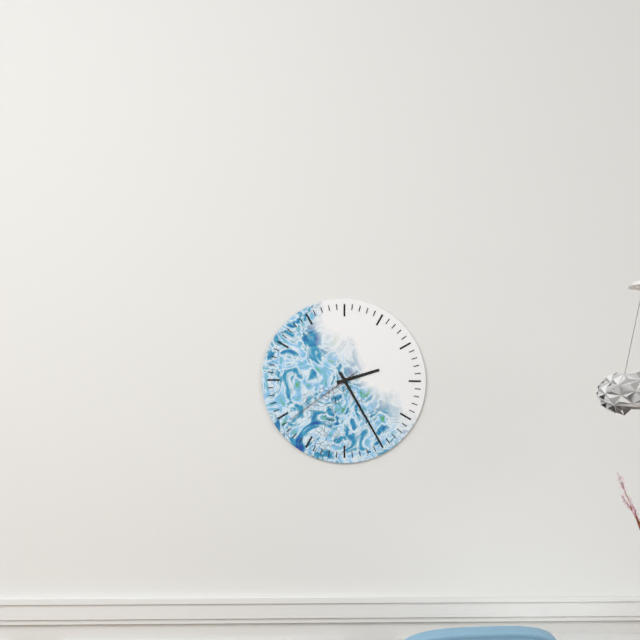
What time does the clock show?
2:25:39
